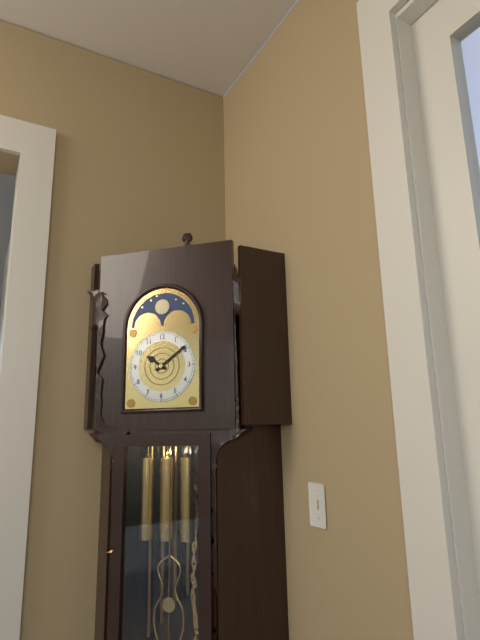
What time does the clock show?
10:09
